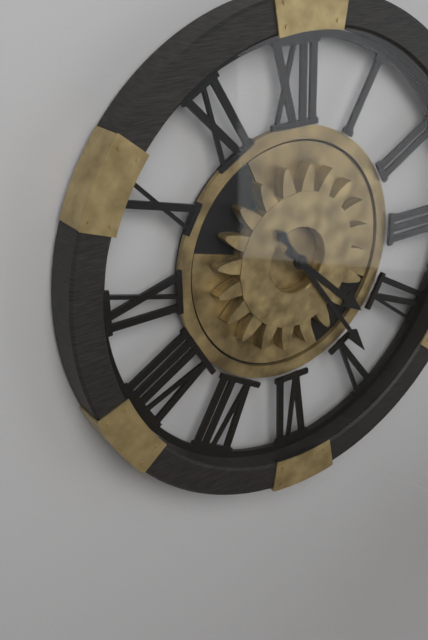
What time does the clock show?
4:24
